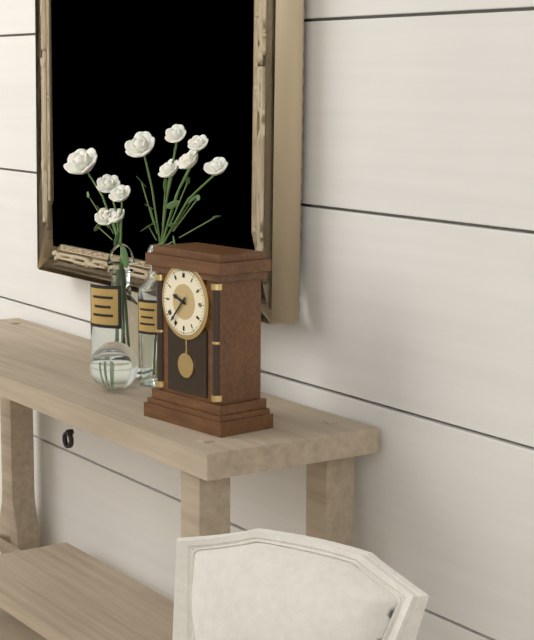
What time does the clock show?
9:37
